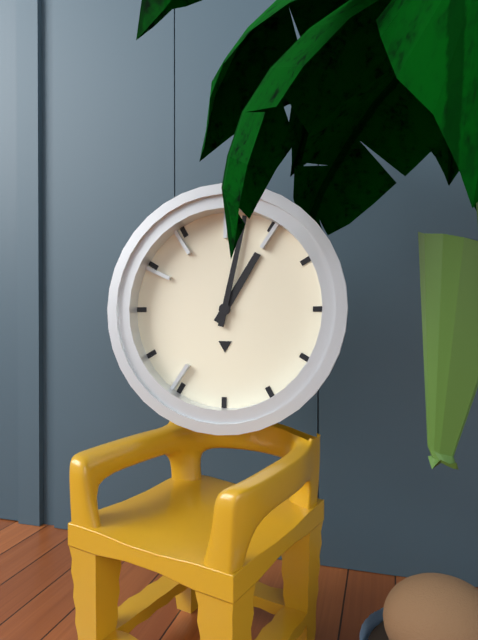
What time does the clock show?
1:02
